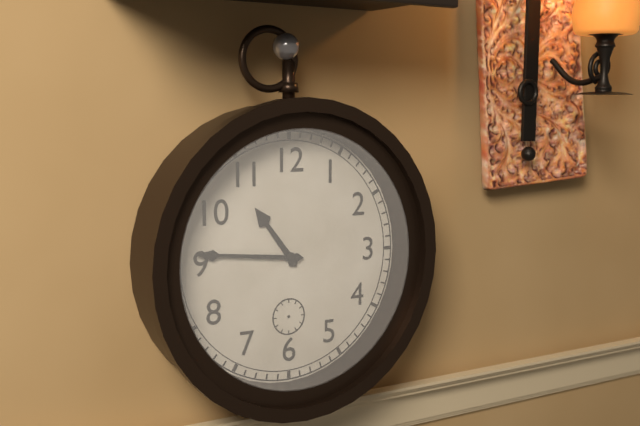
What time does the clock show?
10:46
